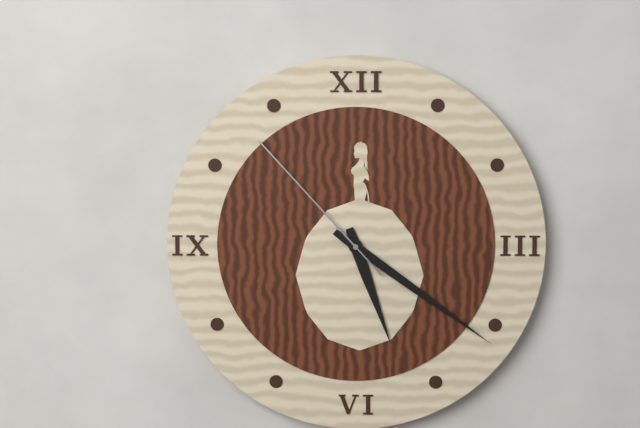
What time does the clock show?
5:21:53
